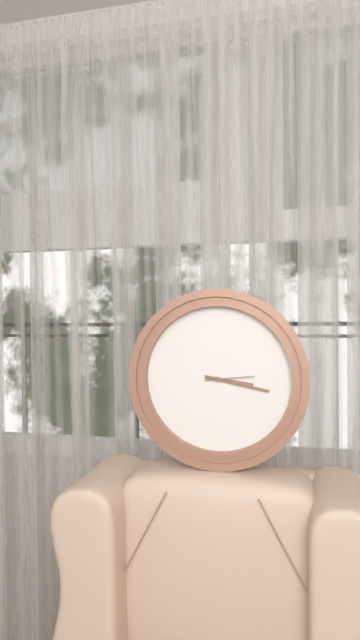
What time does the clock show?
3:17
